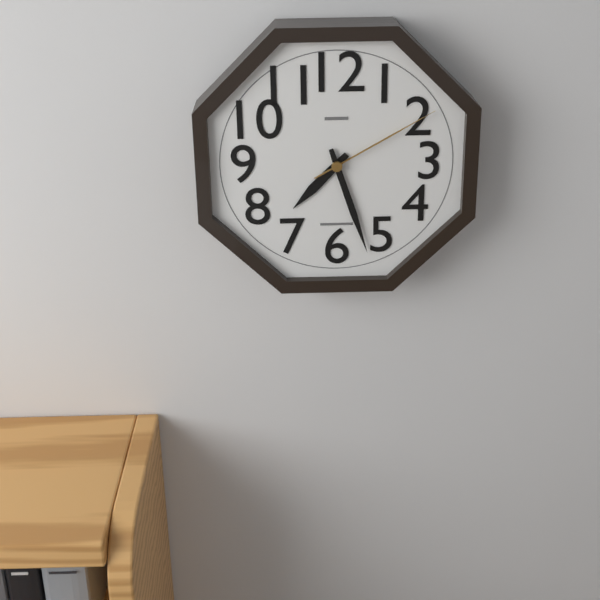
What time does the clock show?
7:27:10
